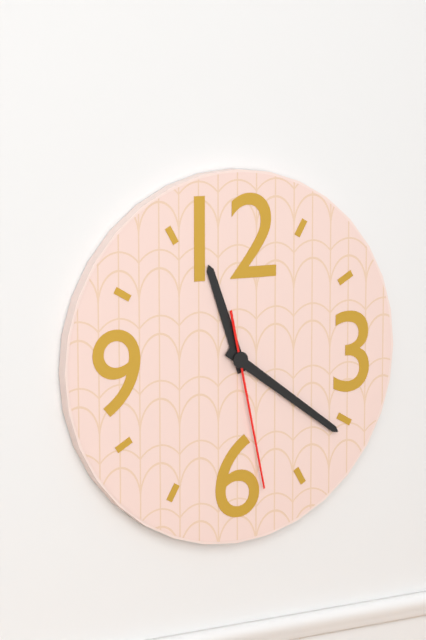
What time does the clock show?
11:21:28
